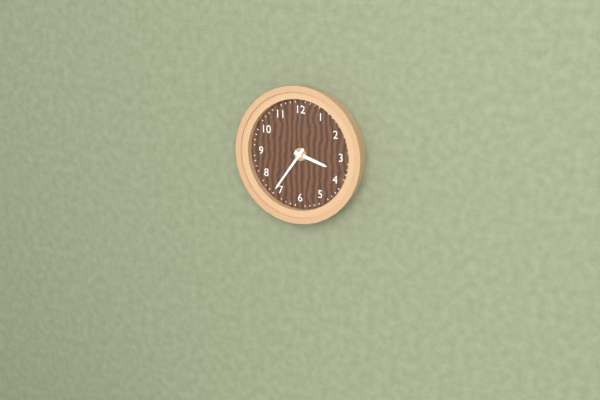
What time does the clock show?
3:36
